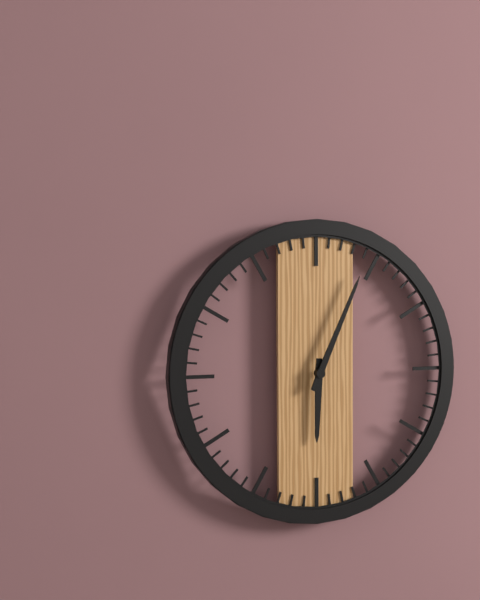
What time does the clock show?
6:04
